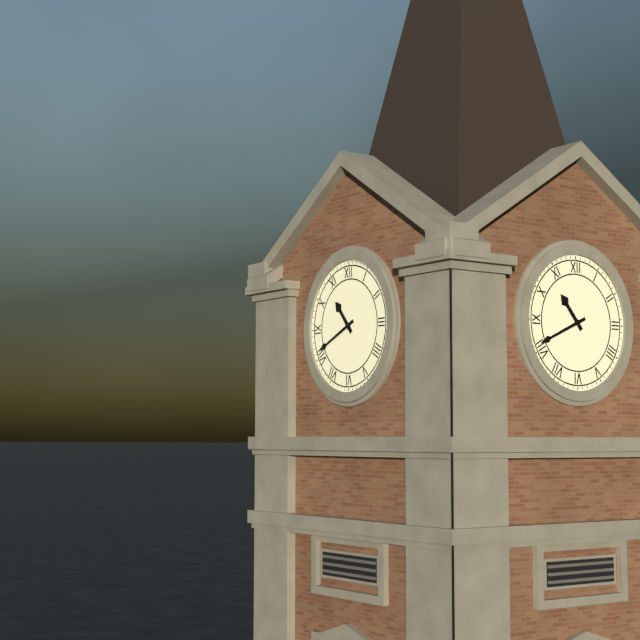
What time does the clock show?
10:41
